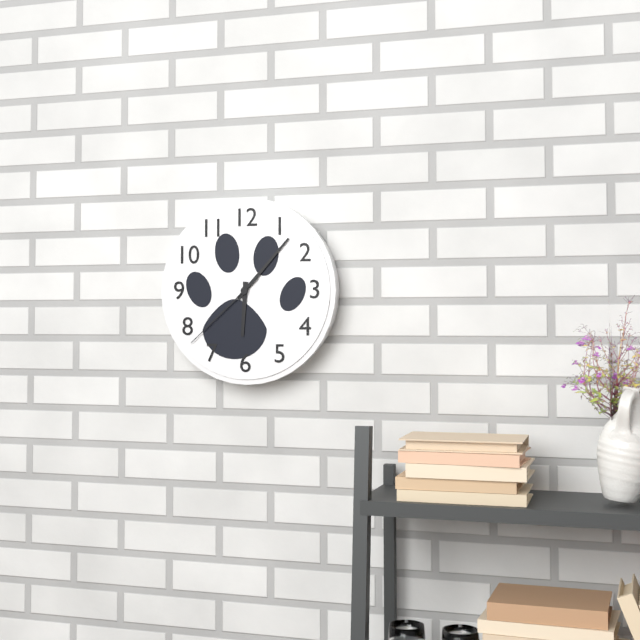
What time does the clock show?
6:07:38
